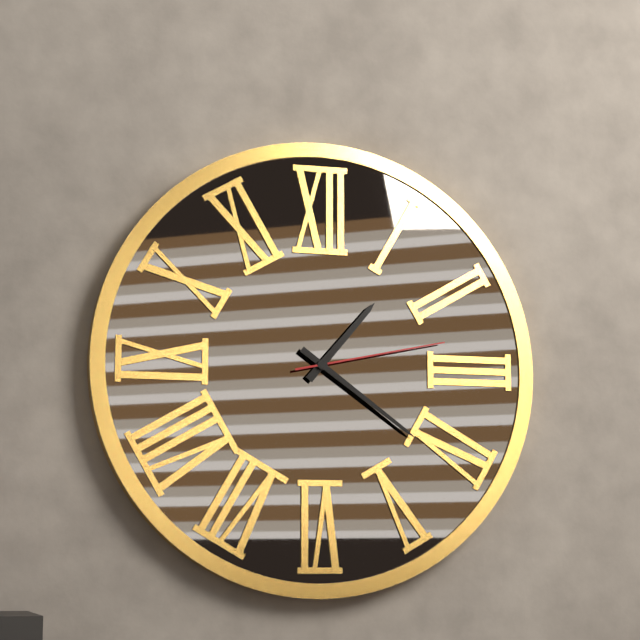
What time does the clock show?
1:21:13
